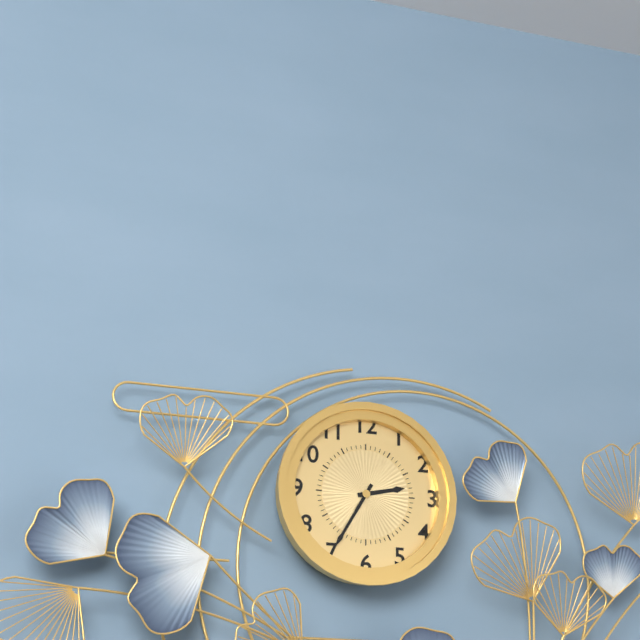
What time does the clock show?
2:35
